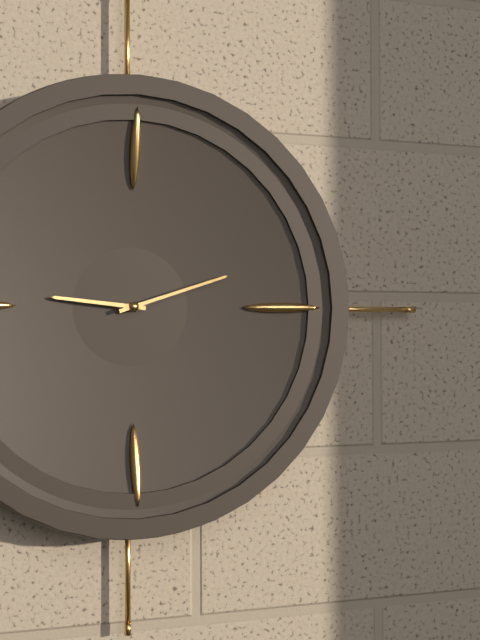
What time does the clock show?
9:12
